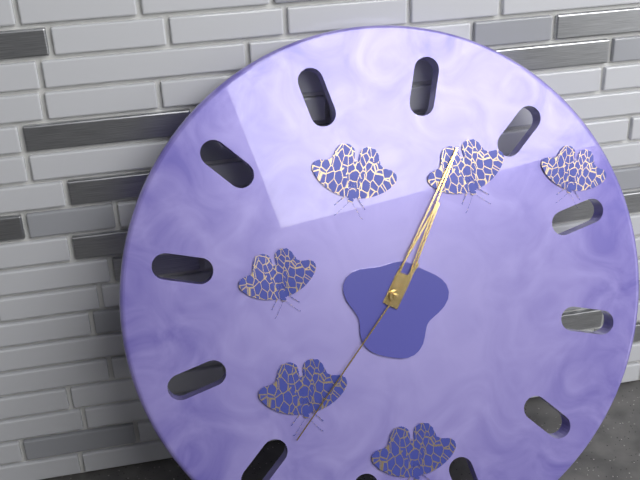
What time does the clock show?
1:05:37
